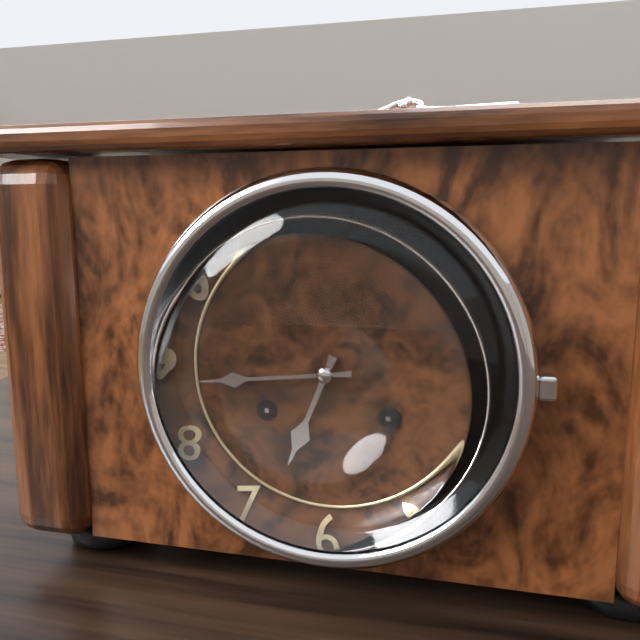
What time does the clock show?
6:44
